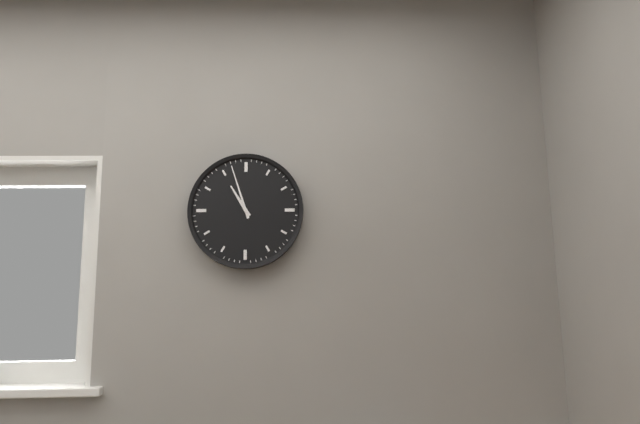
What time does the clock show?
10:57
